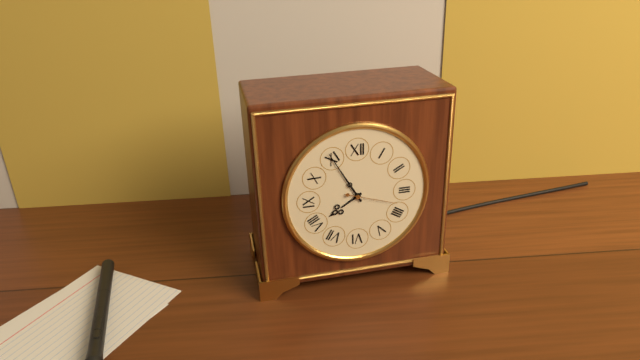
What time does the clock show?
7:55:18
